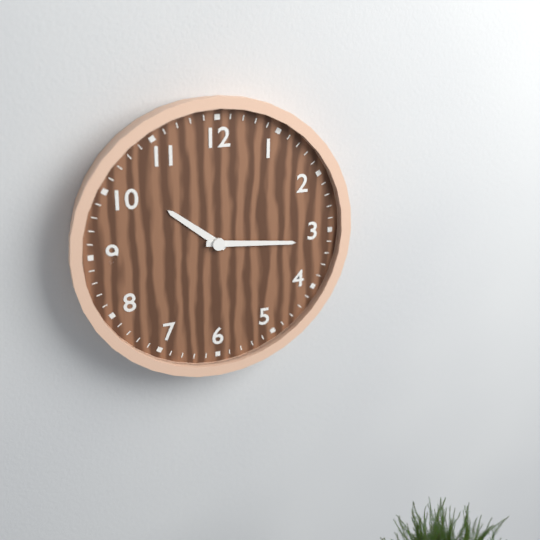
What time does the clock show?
10:16
